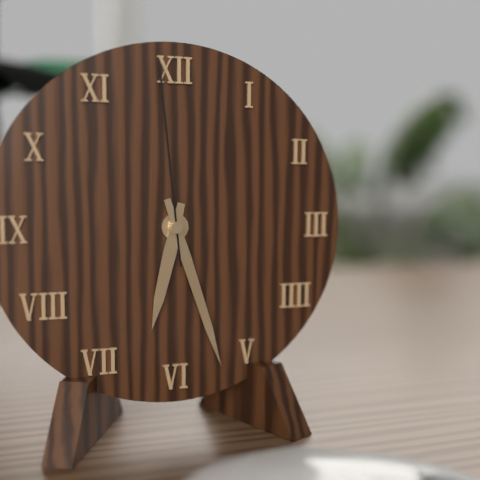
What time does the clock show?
6:27:59
